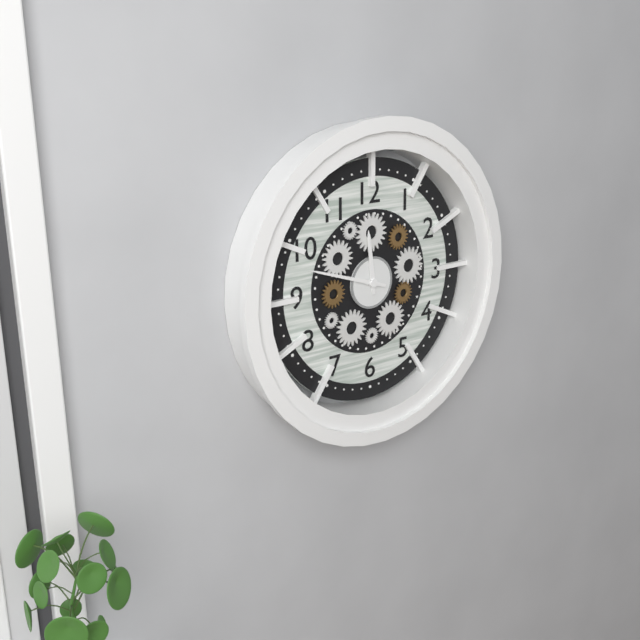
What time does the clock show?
11:48
